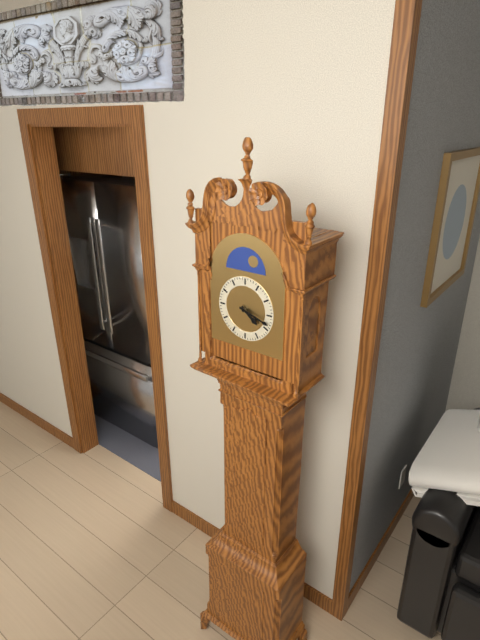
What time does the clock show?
4:18
